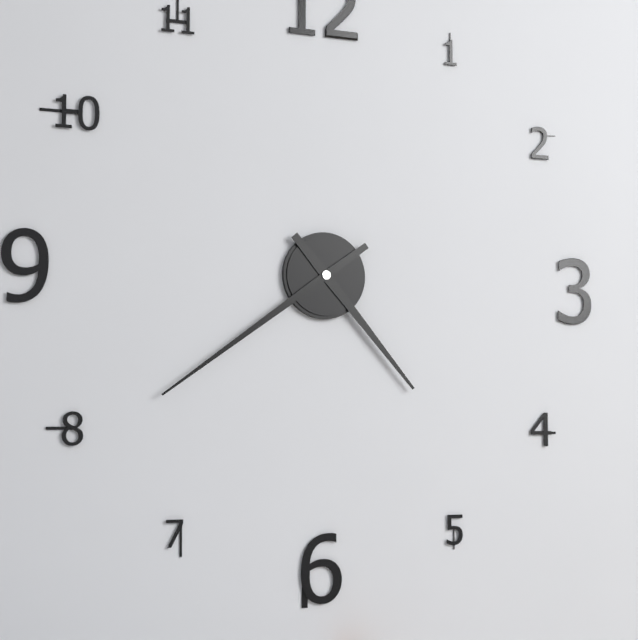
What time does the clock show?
4:39
